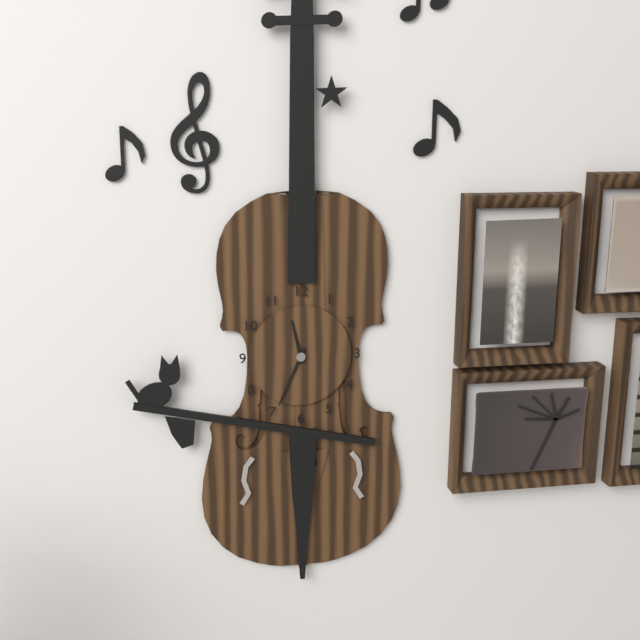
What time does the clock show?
11:34
